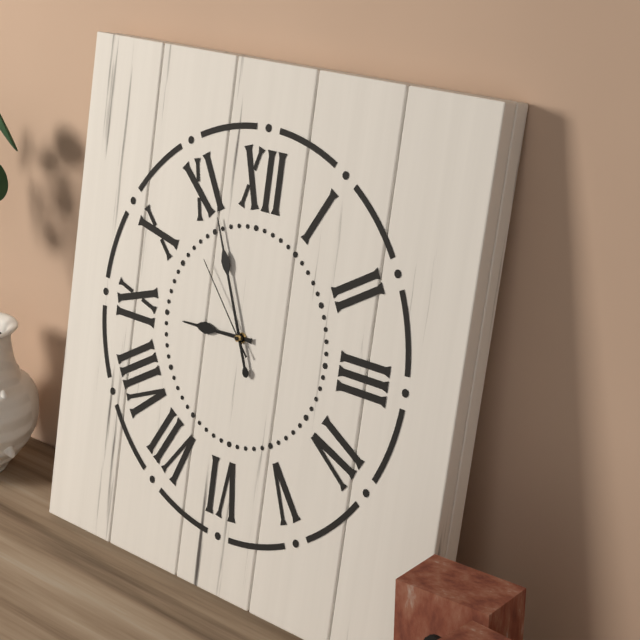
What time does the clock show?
8:56:53
